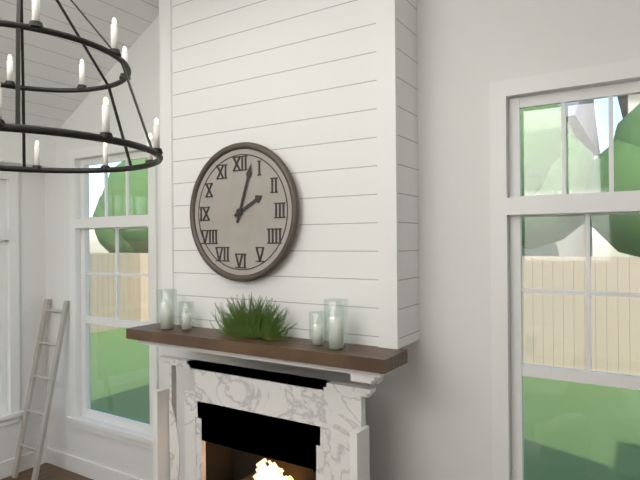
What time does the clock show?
2:03
